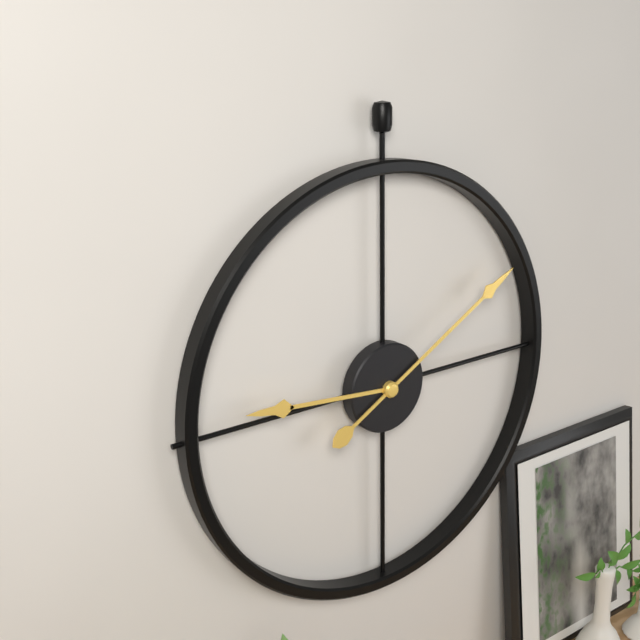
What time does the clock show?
9:10
